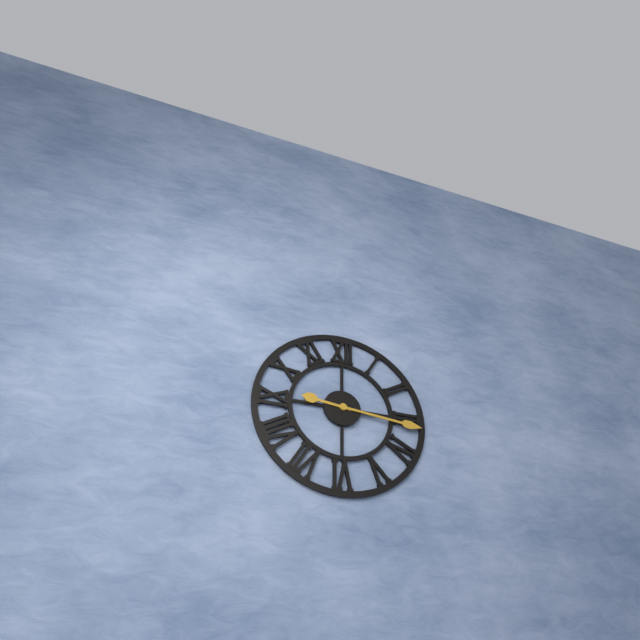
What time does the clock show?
9:16
